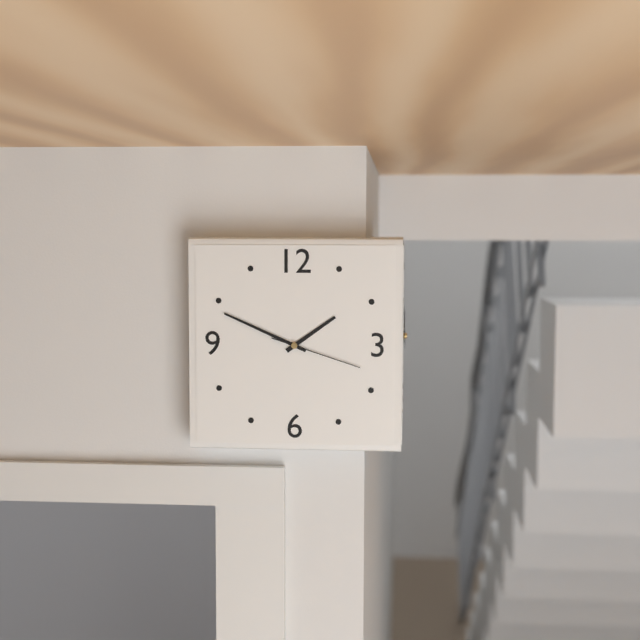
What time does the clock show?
1:49:18
